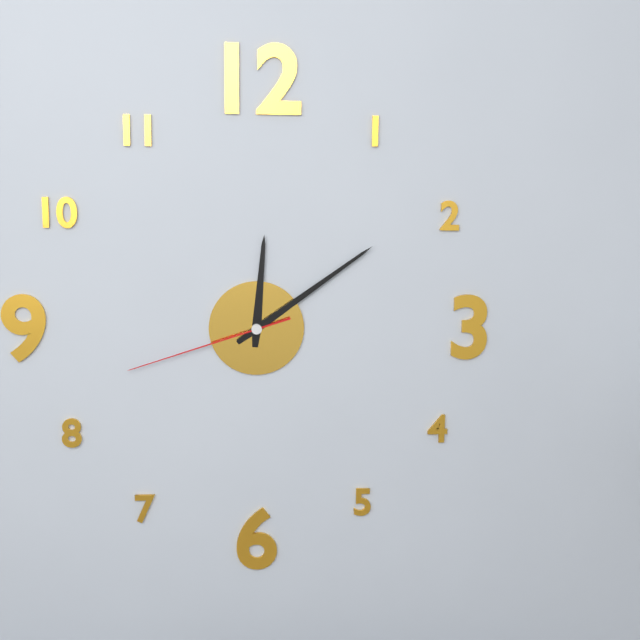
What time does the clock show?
12:09:42
